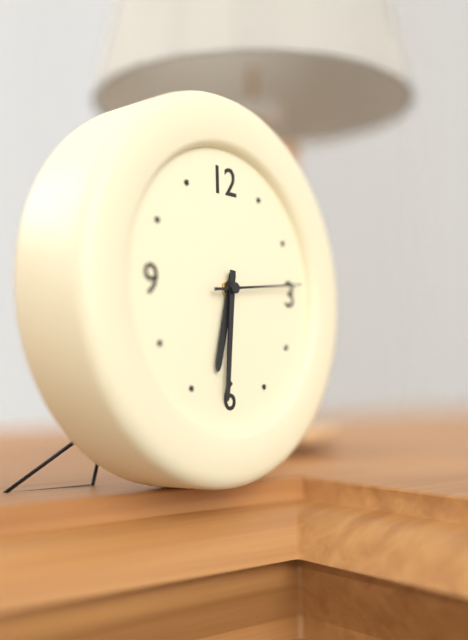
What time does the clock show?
6:31:14
